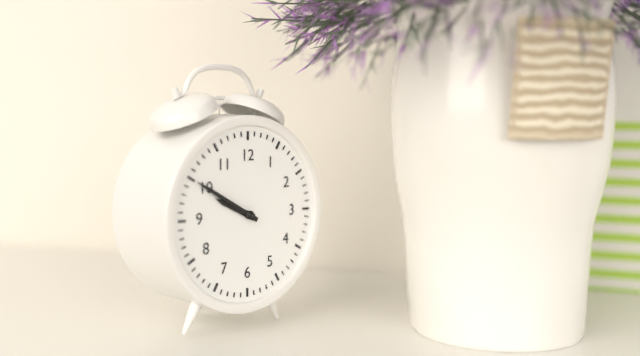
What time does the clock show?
9:50
